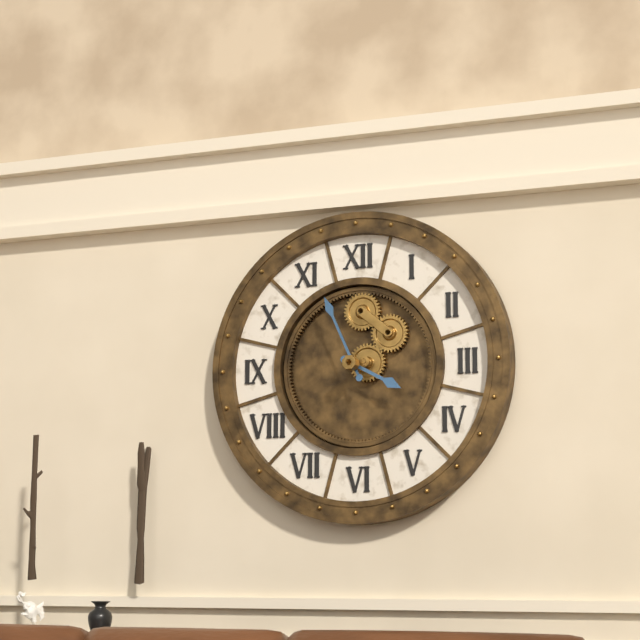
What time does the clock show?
3:56
